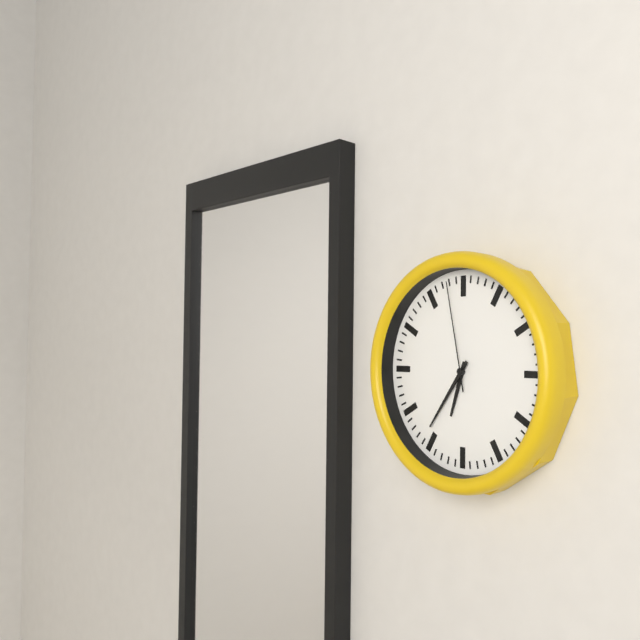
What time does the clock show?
6:36:58
